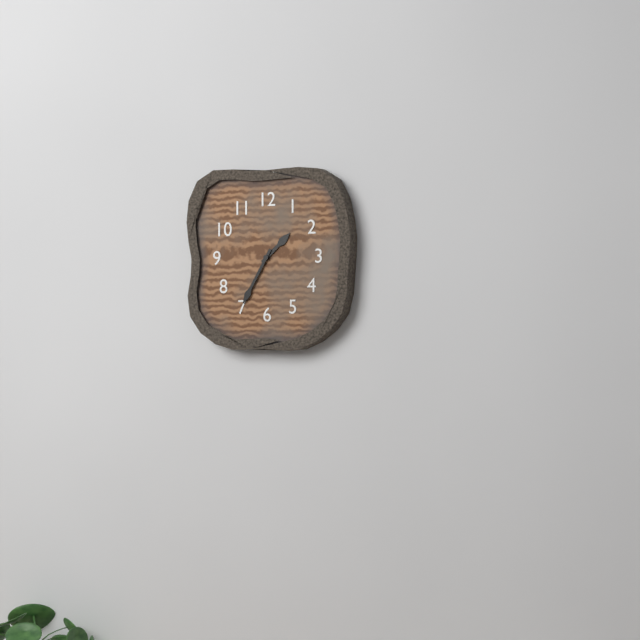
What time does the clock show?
1:35
